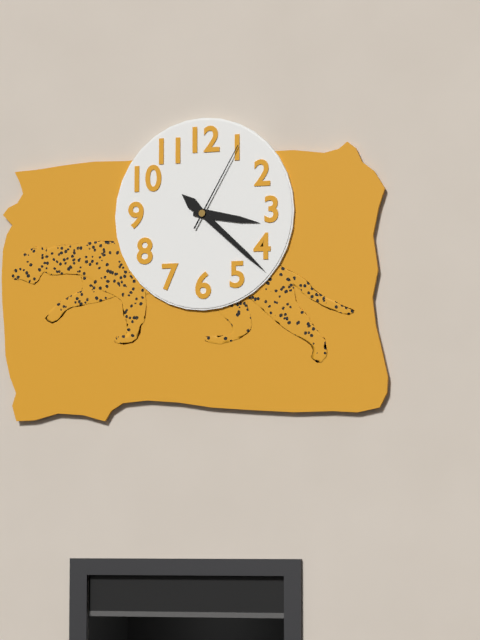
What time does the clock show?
3:22:05
